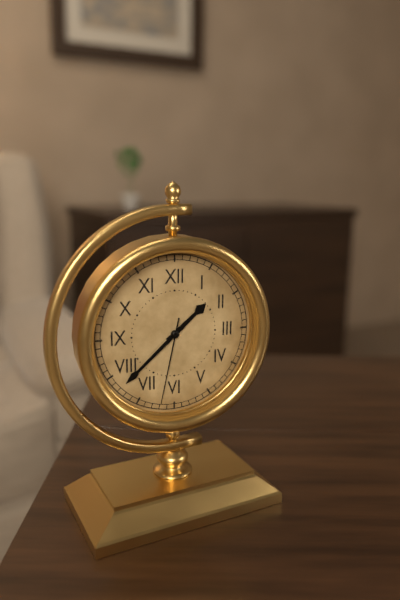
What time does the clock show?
1:38:32
